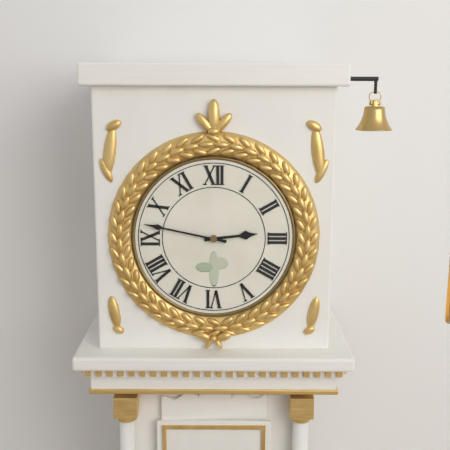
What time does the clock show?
2:47
